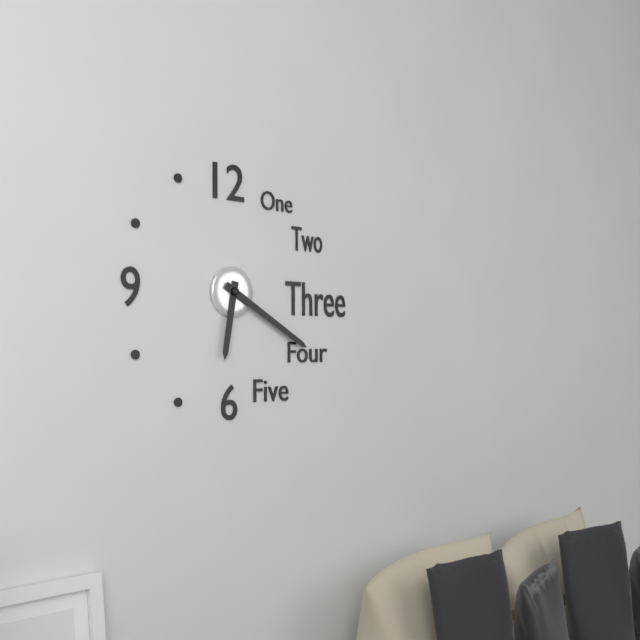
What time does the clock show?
6:20
